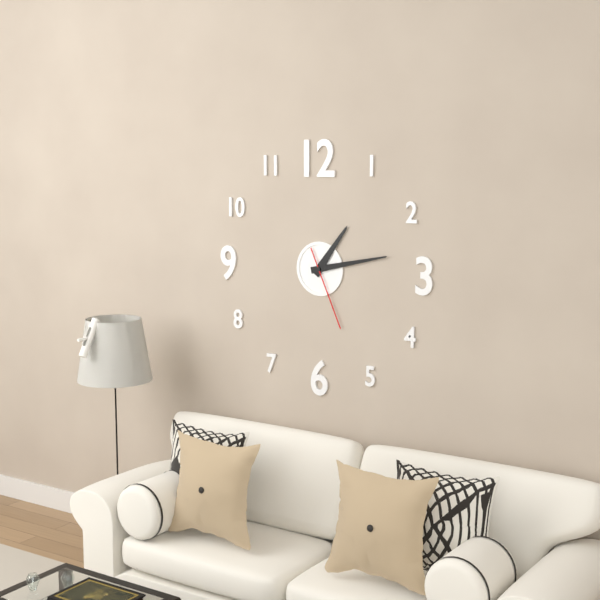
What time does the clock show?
1:13:26
